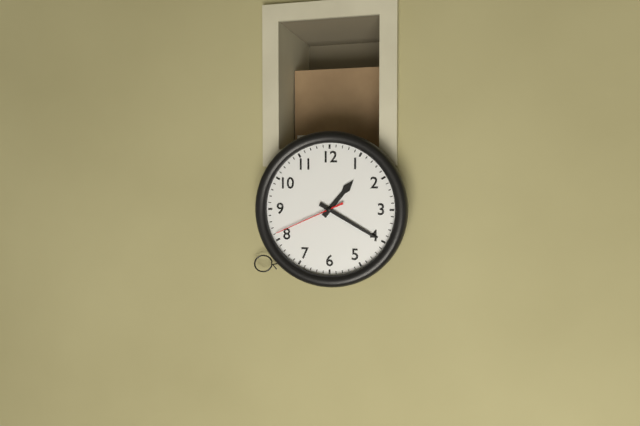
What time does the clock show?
1:20:41
